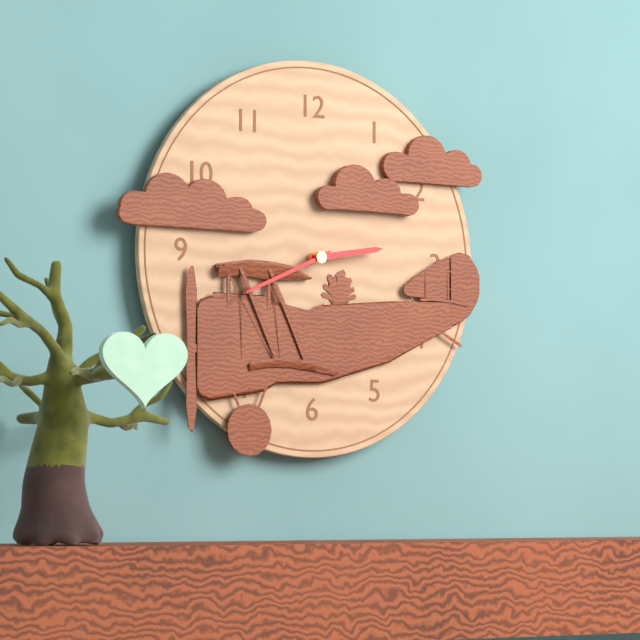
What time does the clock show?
2:41
